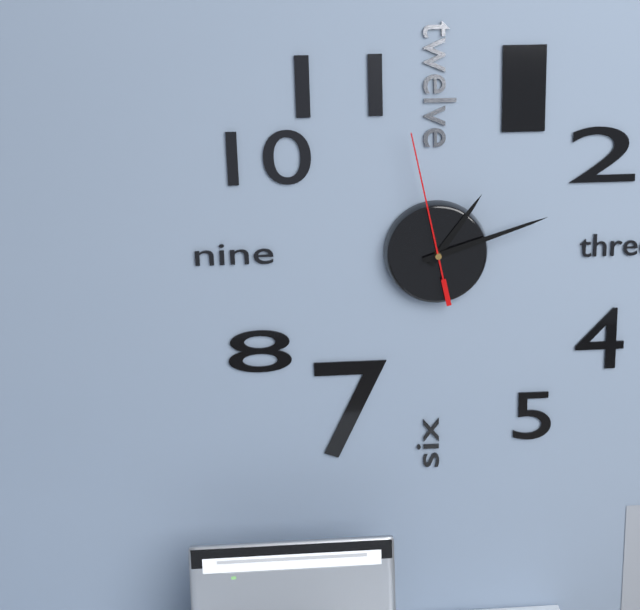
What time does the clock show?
1:12:58
